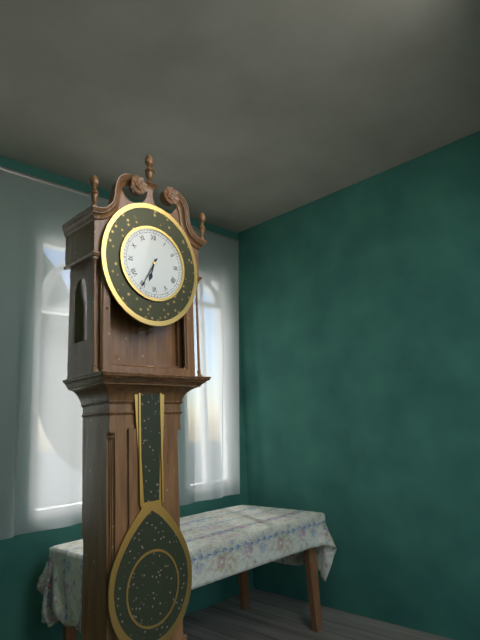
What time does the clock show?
6:35
